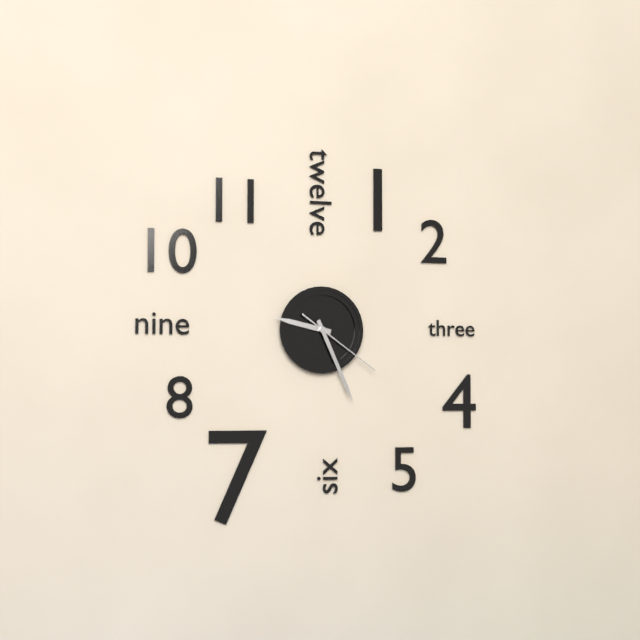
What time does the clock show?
9:26:21
